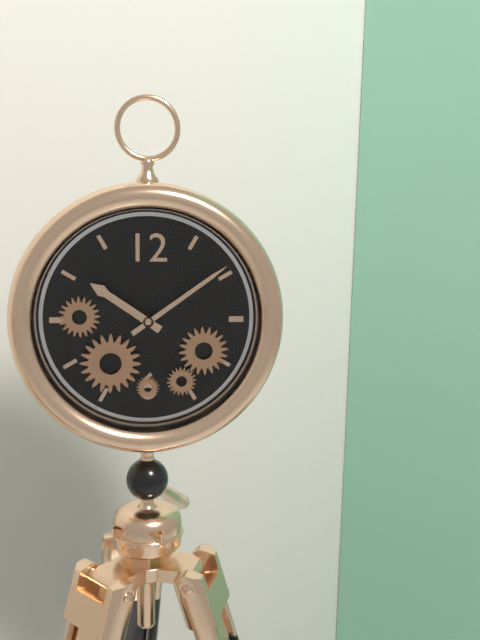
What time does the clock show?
10:09
